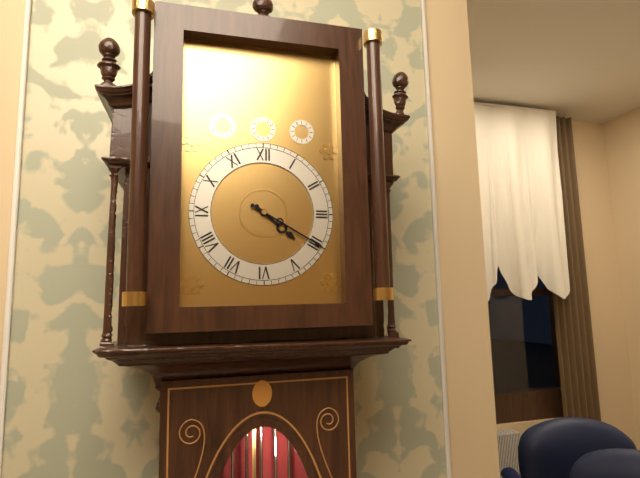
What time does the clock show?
4:20
